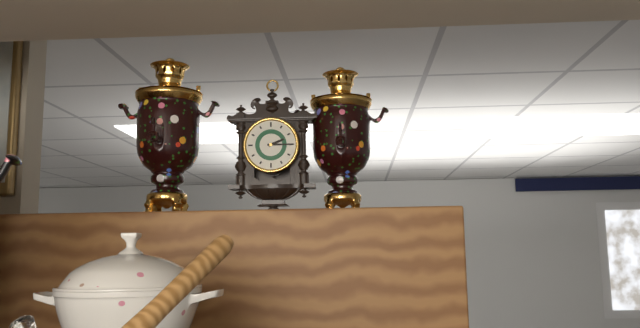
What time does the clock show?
2:15
